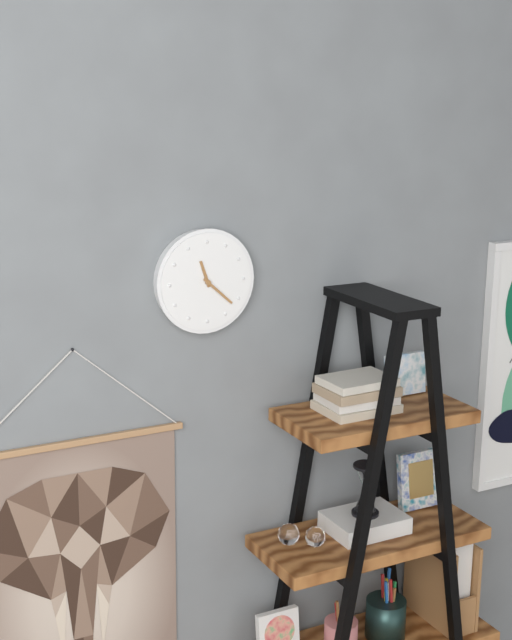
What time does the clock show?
11:22
